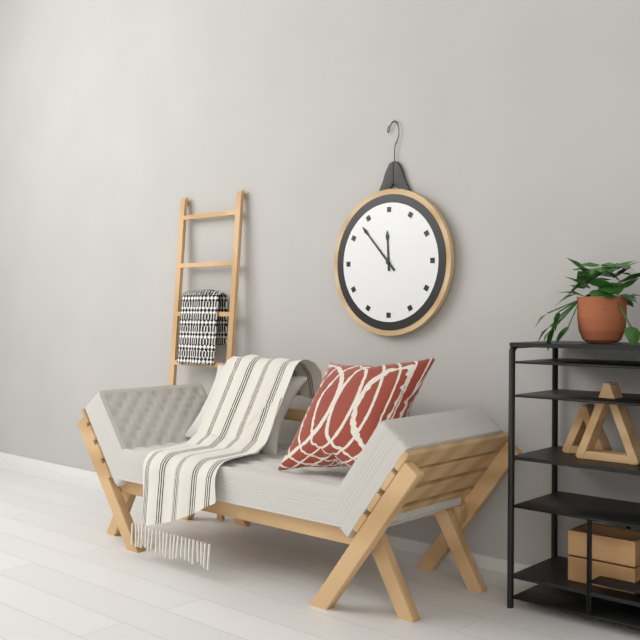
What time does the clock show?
11:53
